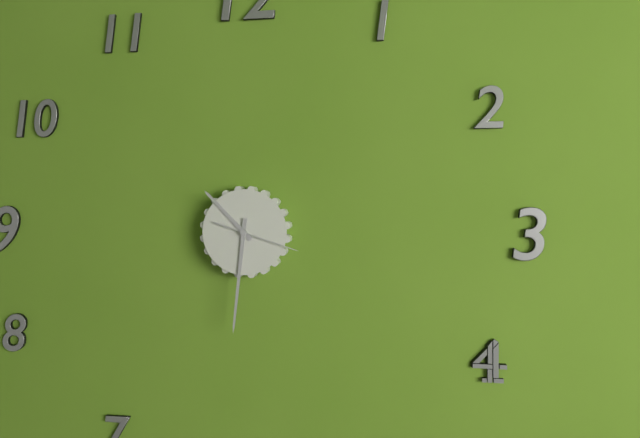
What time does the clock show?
10:31:18
